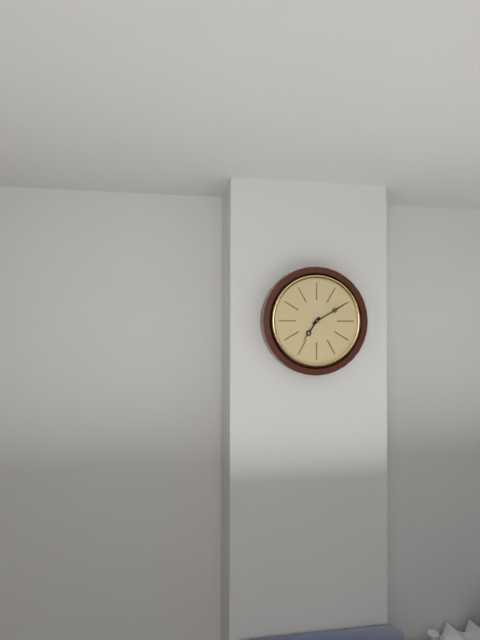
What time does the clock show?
7:10
